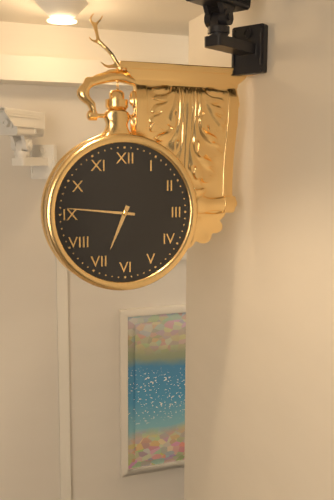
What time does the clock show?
6:46
